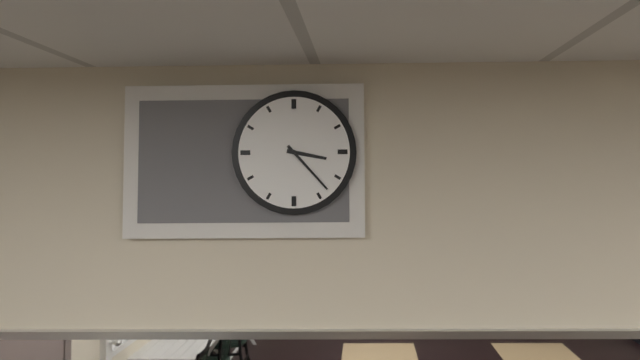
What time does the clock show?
3:23
